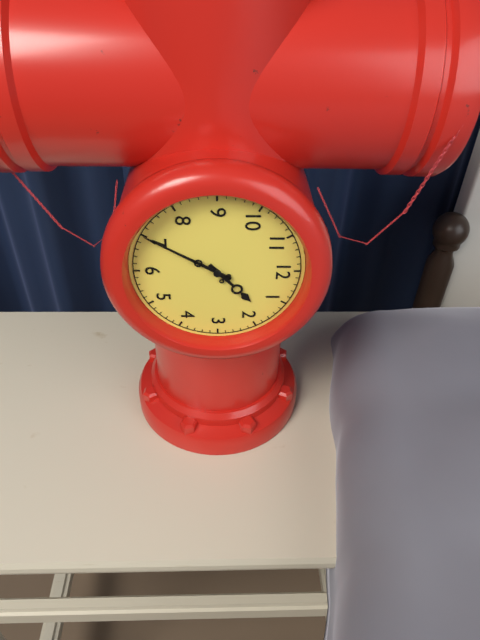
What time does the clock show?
1:35
